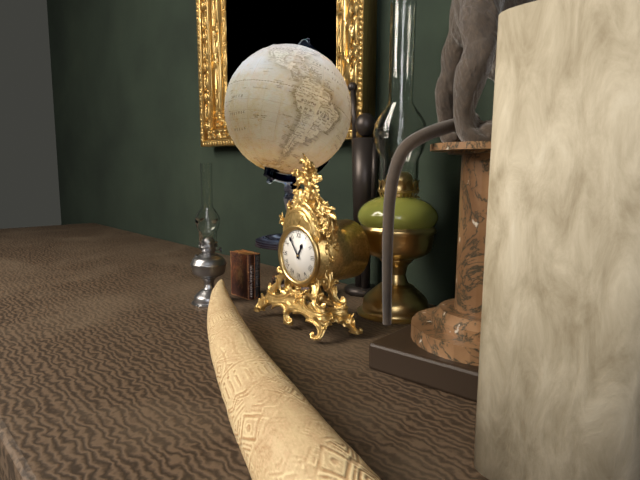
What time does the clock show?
12:54
